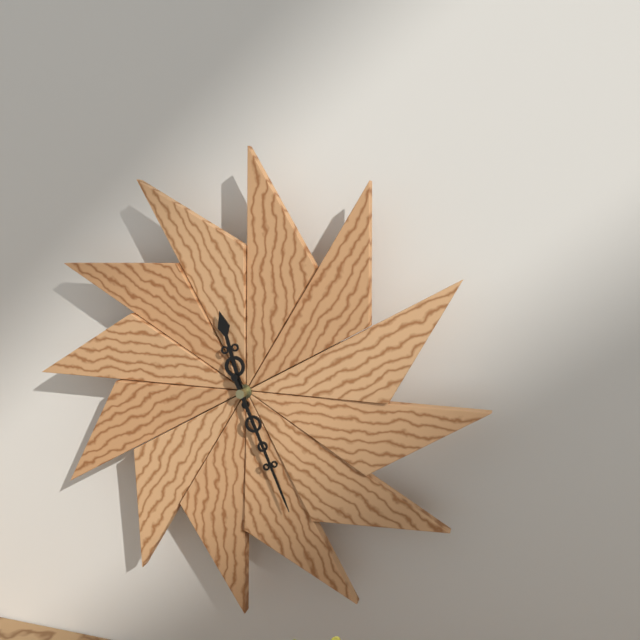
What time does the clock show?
11:26
